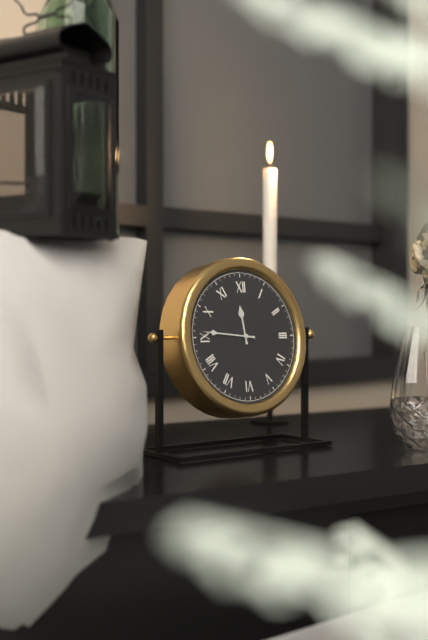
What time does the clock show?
11:46
